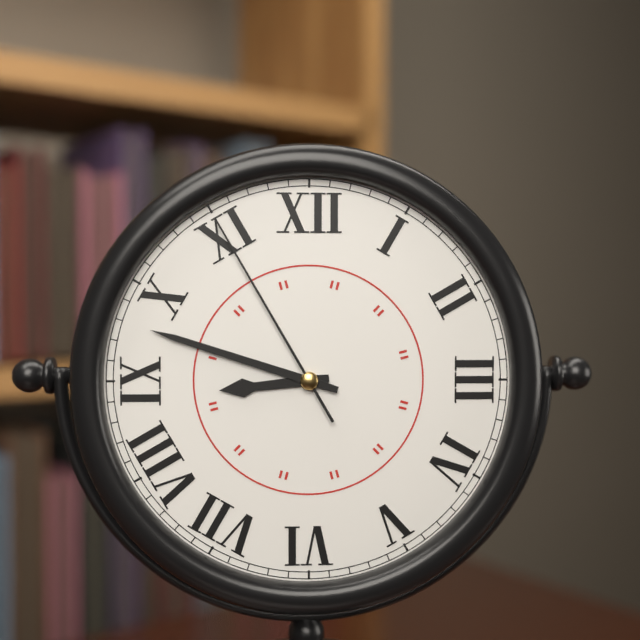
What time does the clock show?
8:48:55
